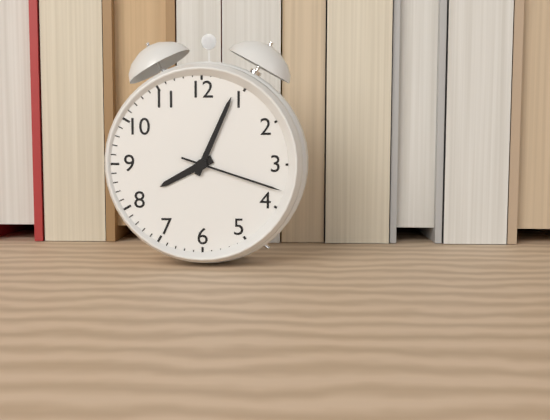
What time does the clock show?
8:04:18
